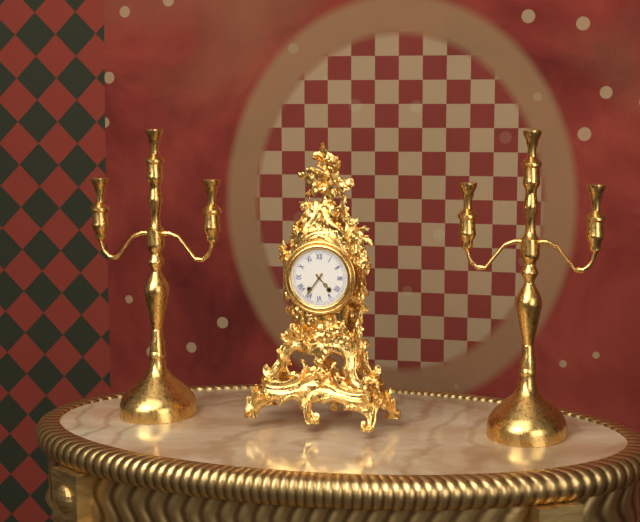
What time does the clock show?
4:36
